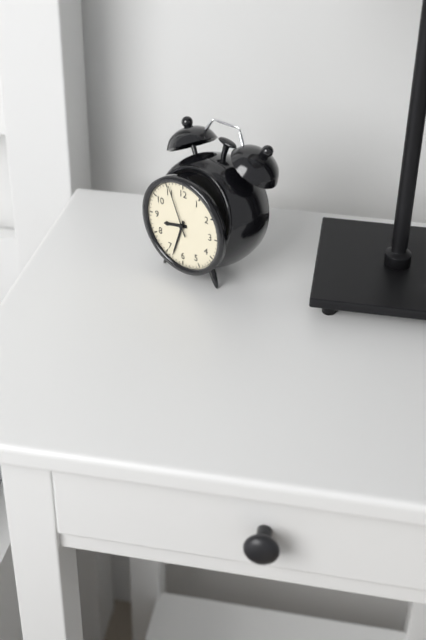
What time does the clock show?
8:33:56
